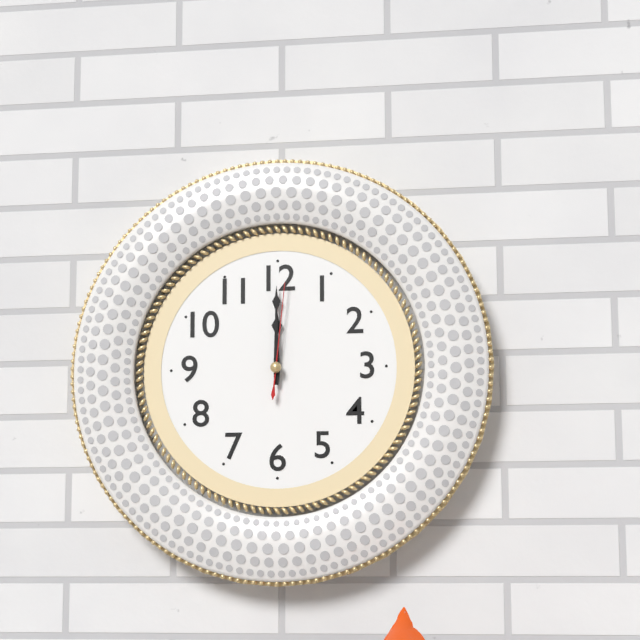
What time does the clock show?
12:00:01
